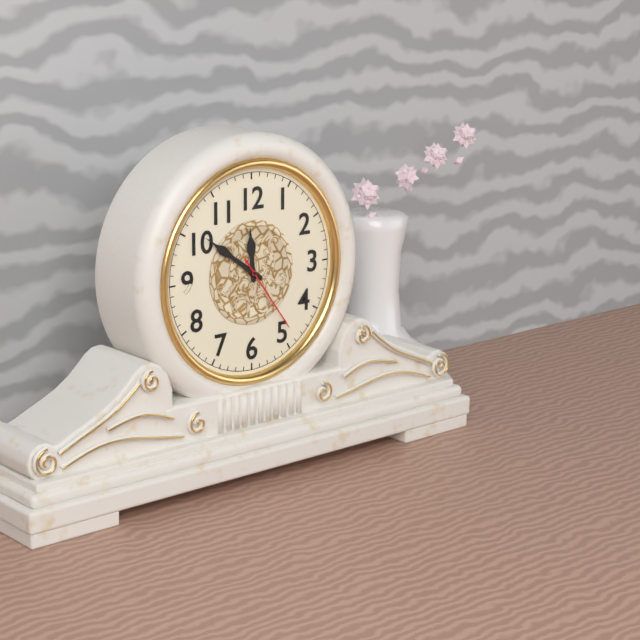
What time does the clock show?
11:51:24
